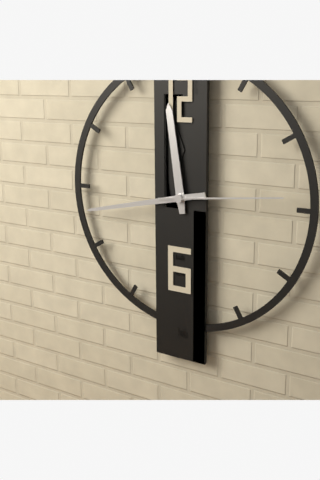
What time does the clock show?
11:43:14
